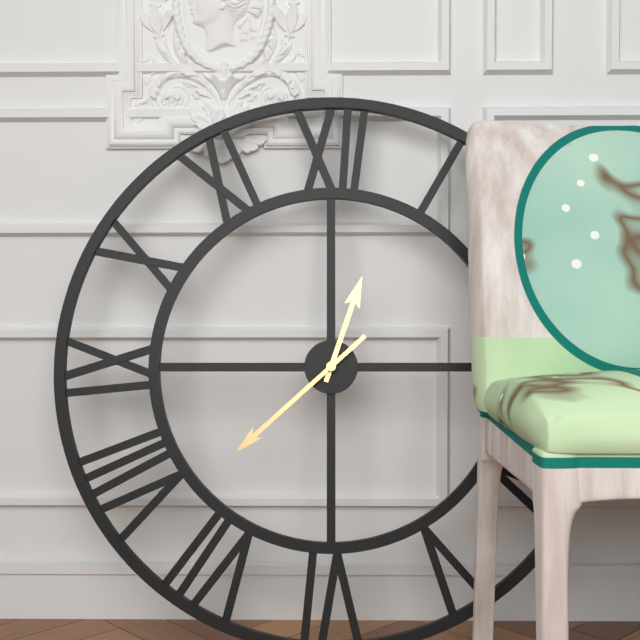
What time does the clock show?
12:38
